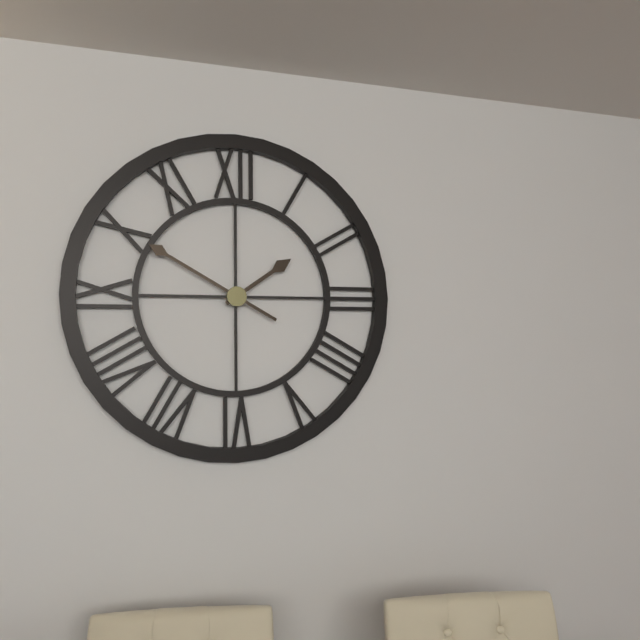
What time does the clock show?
1:50
